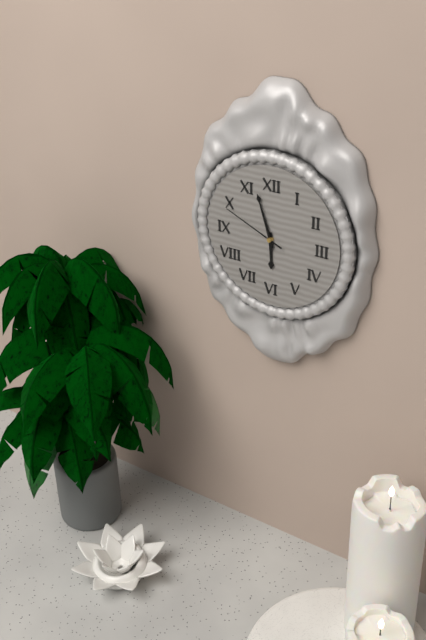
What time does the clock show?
5:57:49
